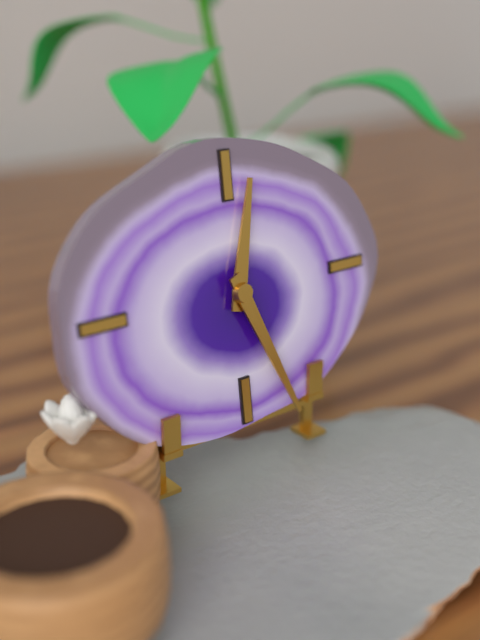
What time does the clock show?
12:26
